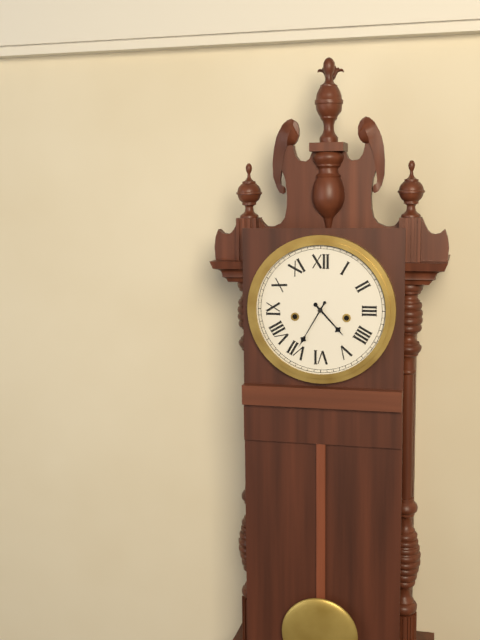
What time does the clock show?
4:35
